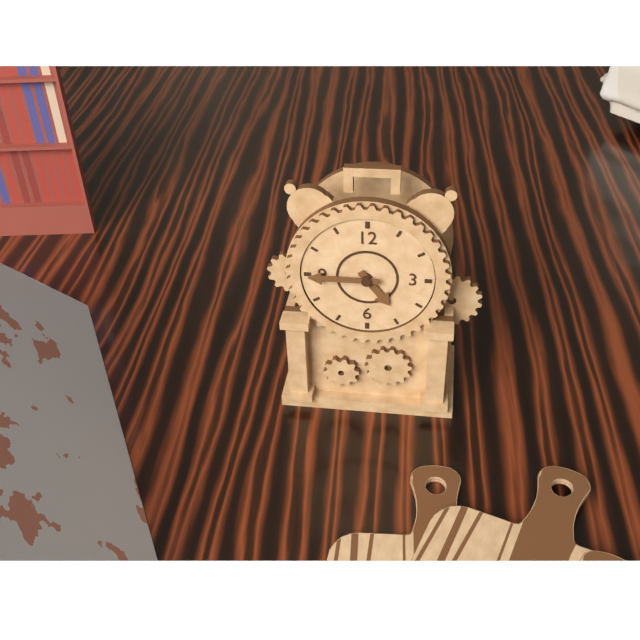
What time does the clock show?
4:45
